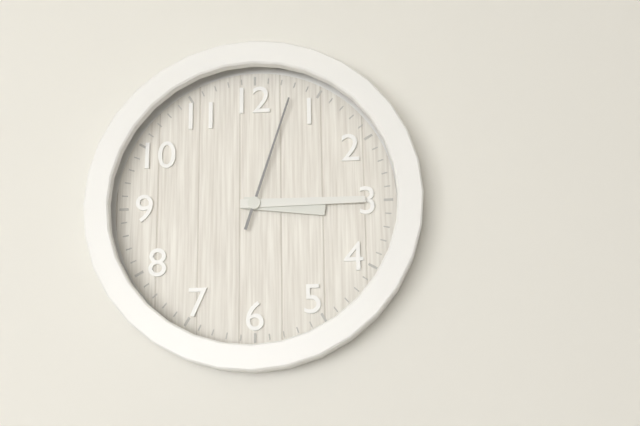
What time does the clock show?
3:15:03
